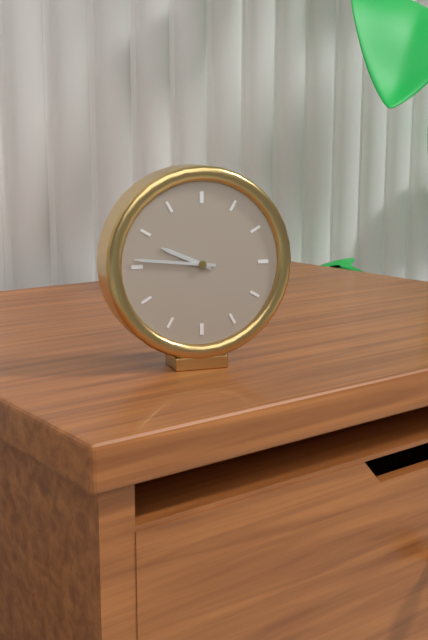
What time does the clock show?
9:46
